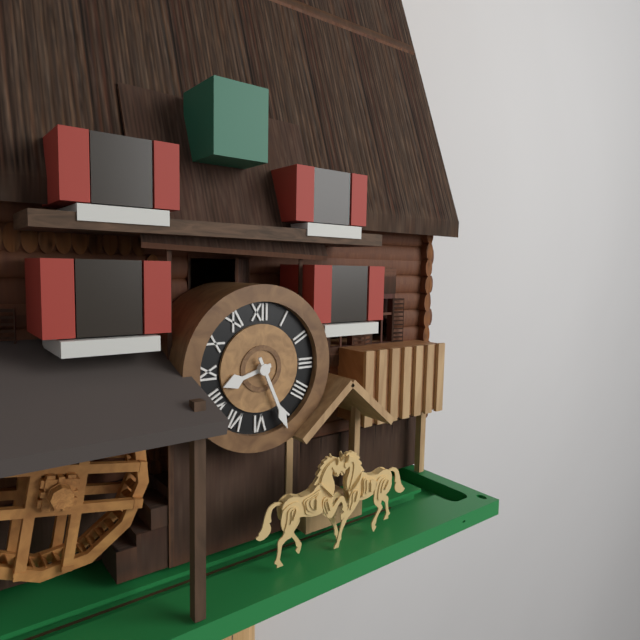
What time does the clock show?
8:26
